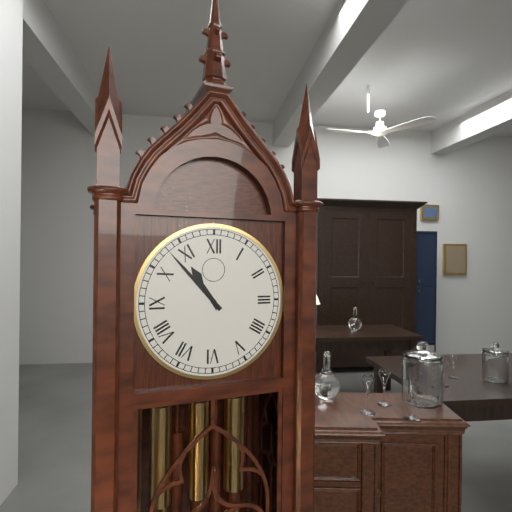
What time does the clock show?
10:53
